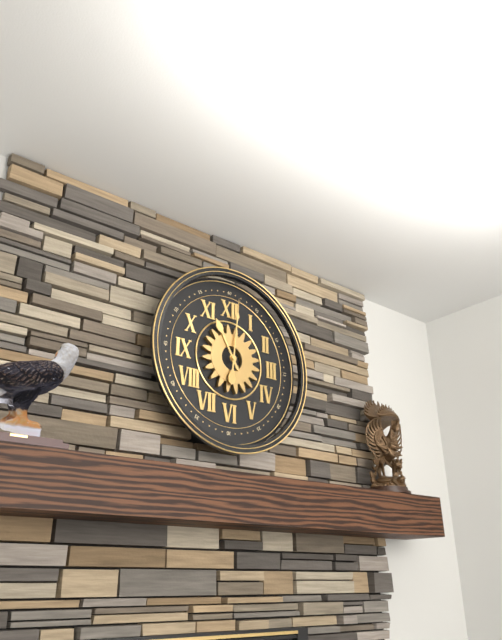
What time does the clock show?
11:01
